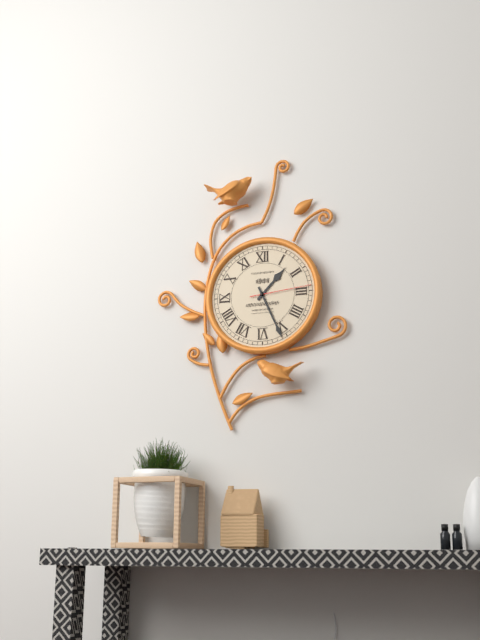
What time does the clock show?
1:26:14
